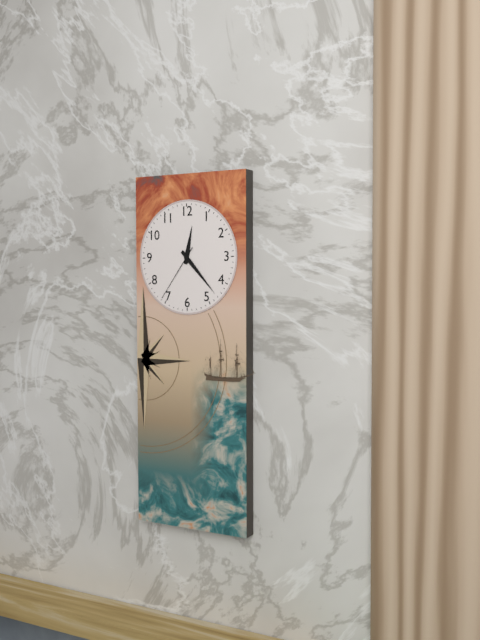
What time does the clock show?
12:23:36
